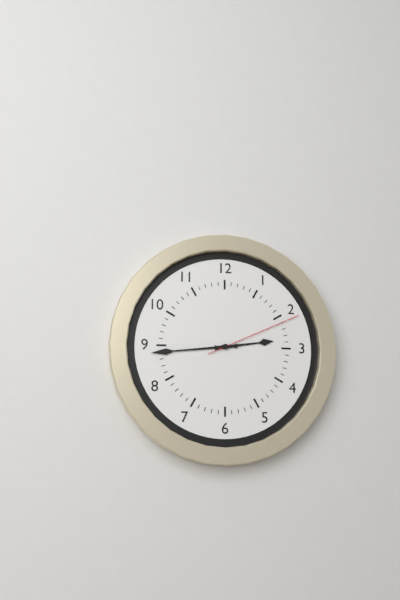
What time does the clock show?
2:44:11
